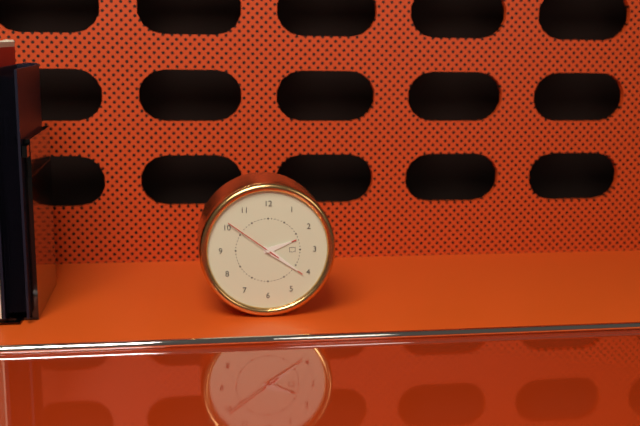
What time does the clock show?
2:21:51
